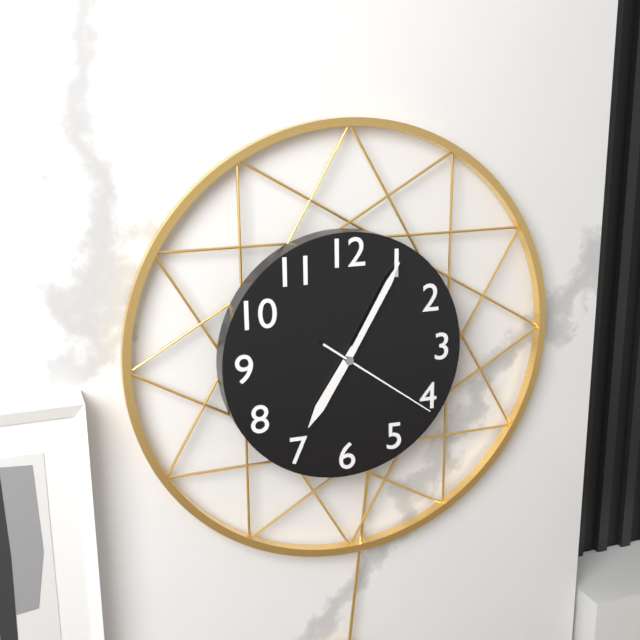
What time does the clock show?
7:05:21
